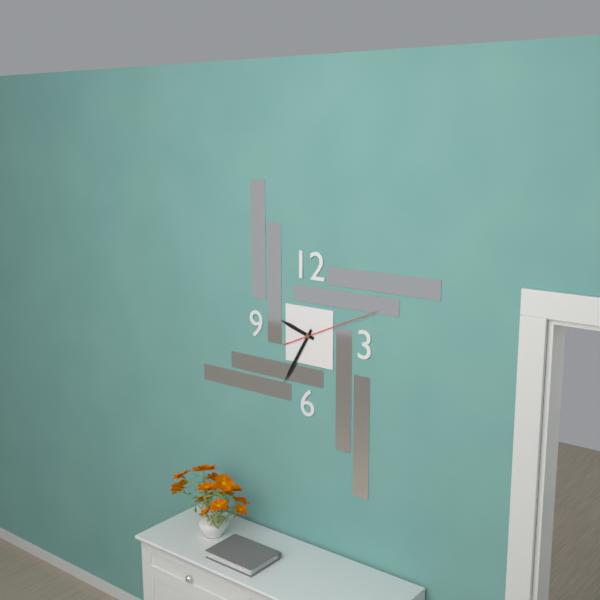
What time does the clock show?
9:35:11
